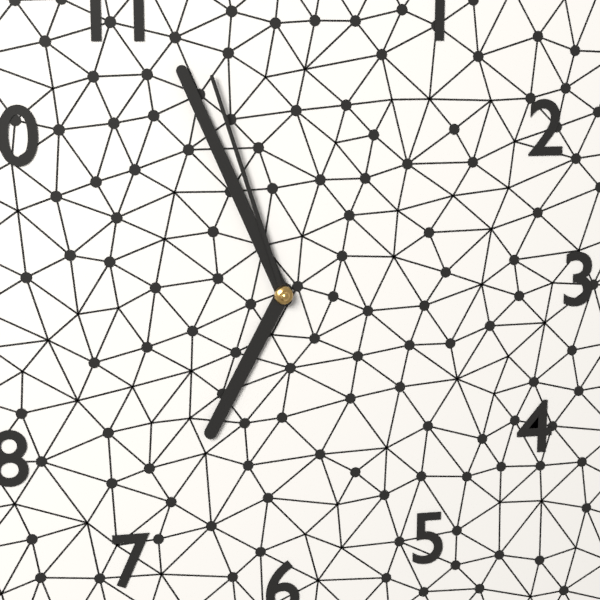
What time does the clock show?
6:56:57
